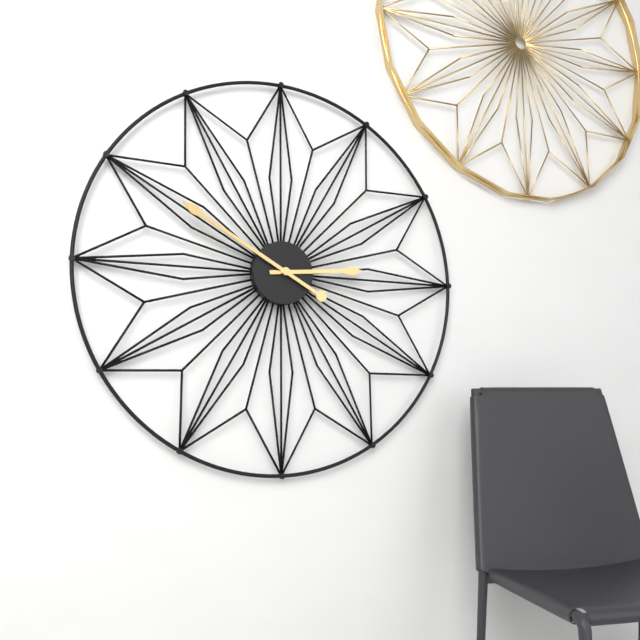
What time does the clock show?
2:50
